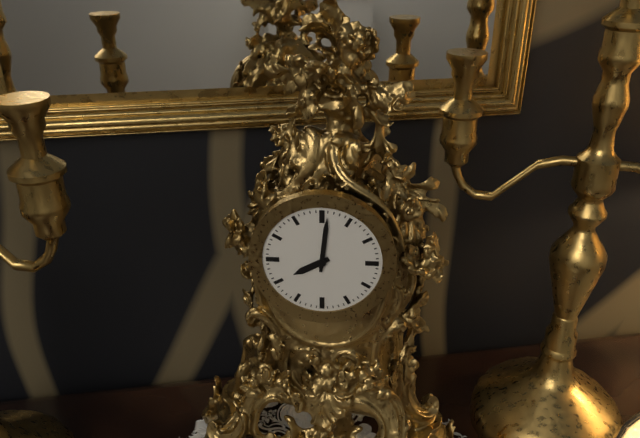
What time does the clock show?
8:01
